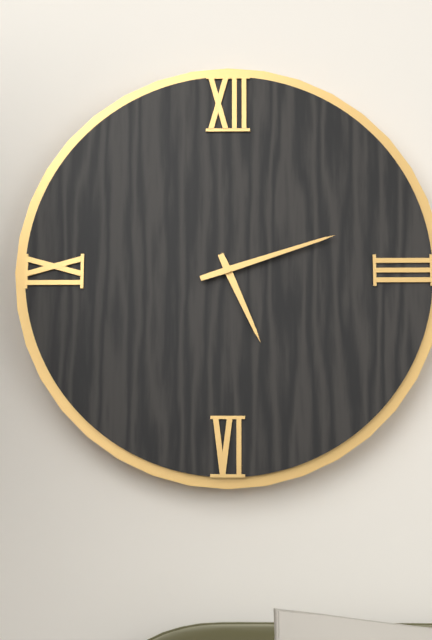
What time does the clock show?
5:12
